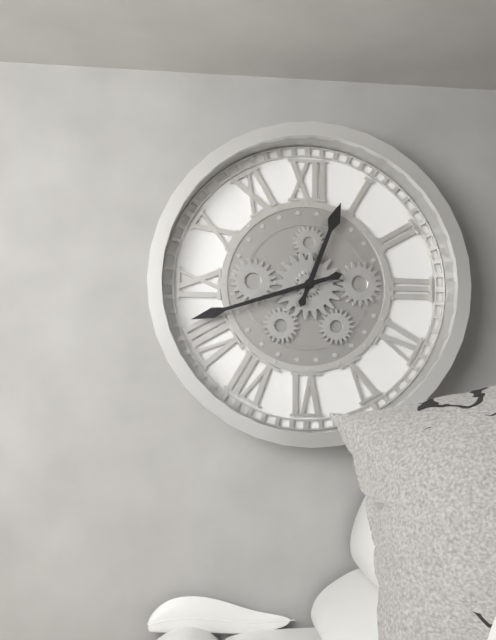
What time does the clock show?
12:42
